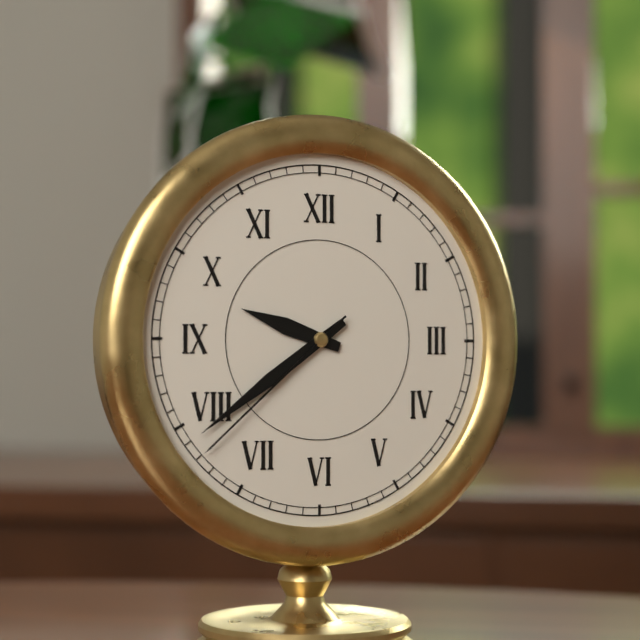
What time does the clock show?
9:39:38
